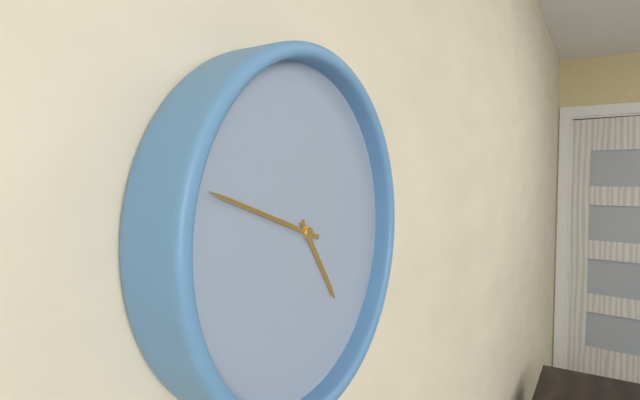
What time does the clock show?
4:48
